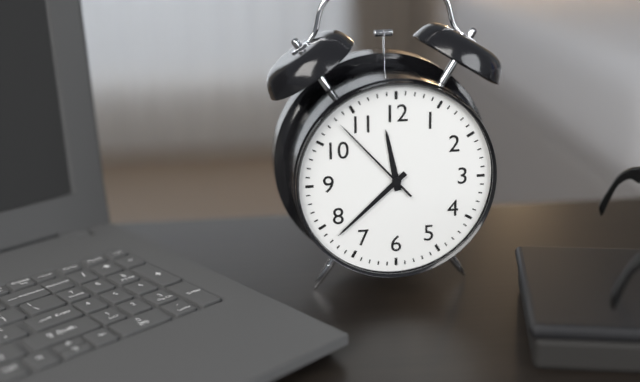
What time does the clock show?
11:38:53
